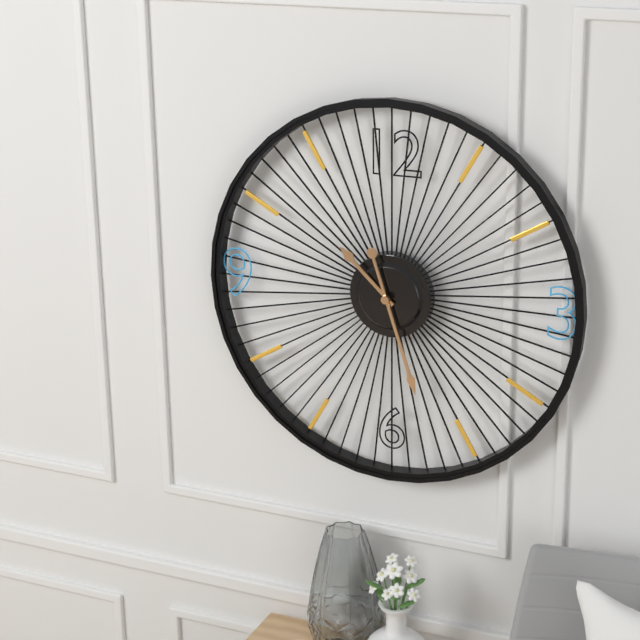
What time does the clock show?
10:27
